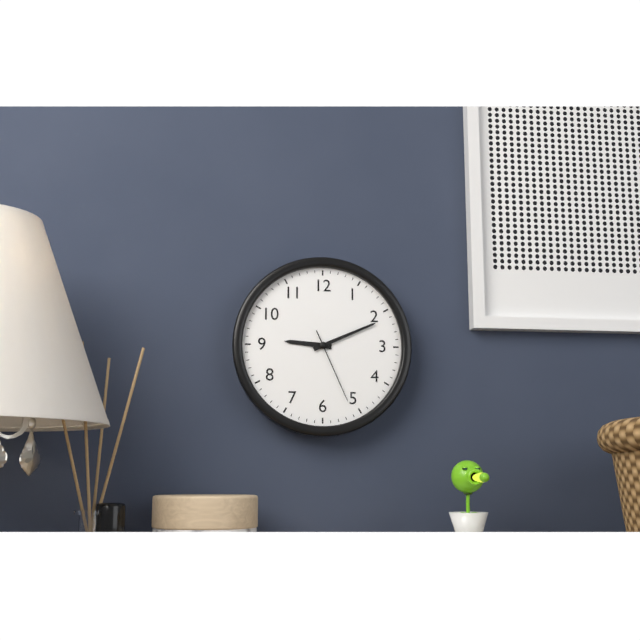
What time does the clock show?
9:11:26
